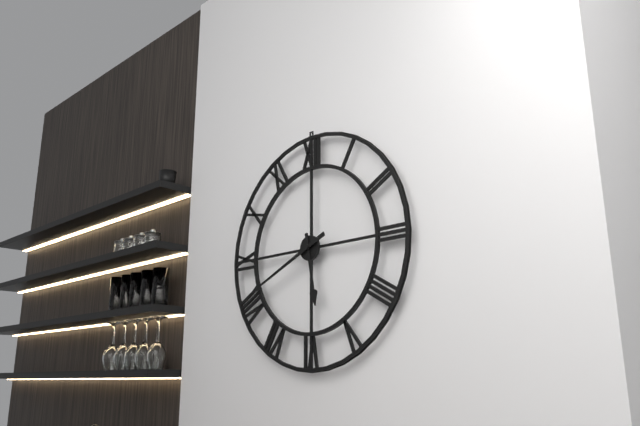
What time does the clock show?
5:41
